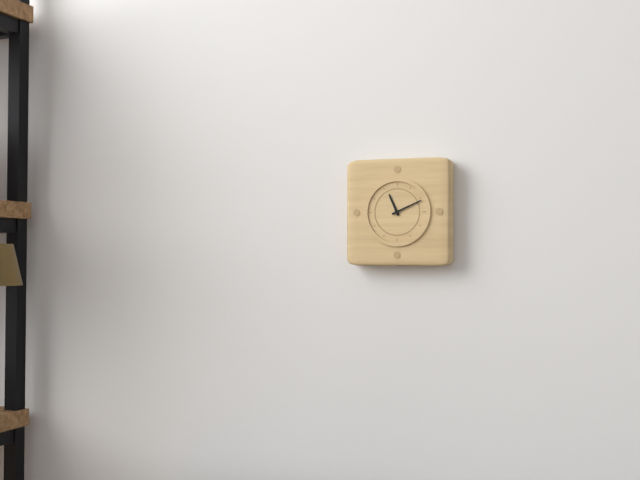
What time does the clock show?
11:11
